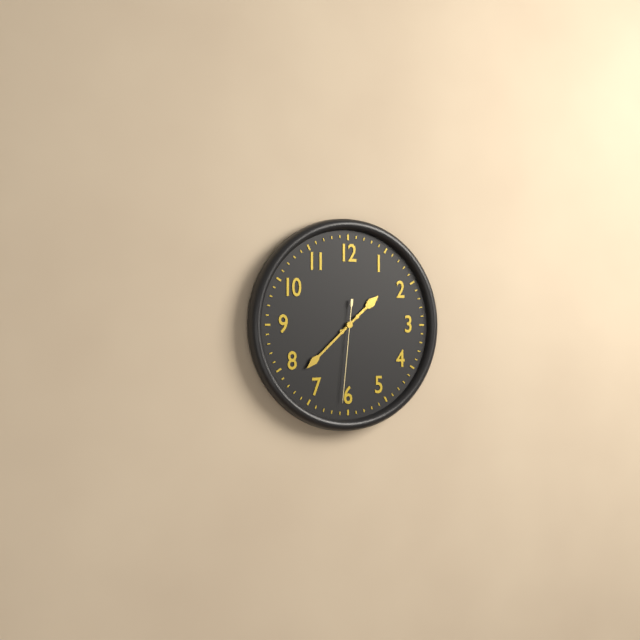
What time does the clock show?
1:38:31
